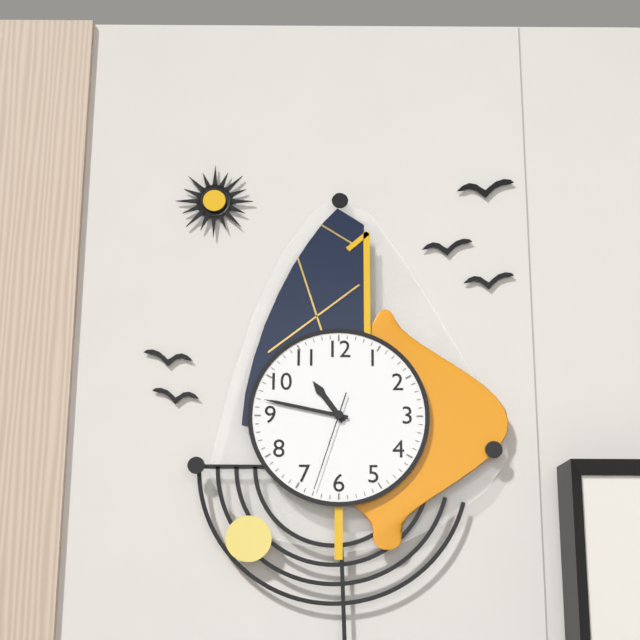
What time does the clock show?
10:47:33
